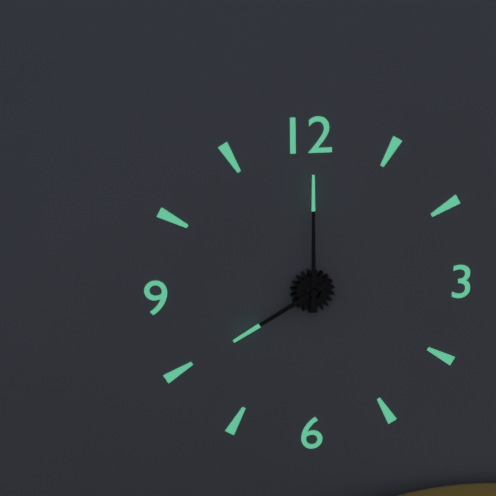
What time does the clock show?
8:00
